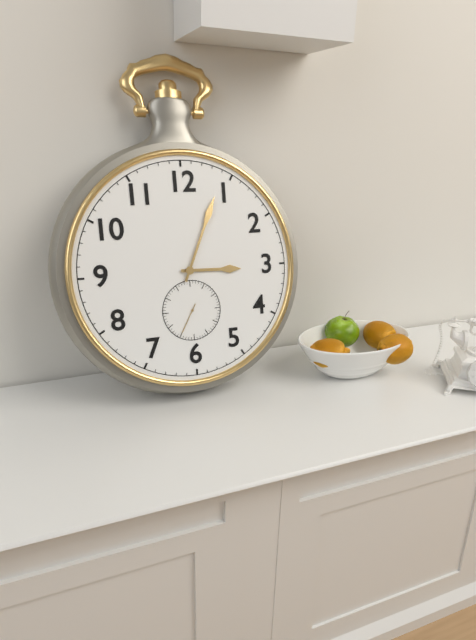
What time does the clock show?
3:04
